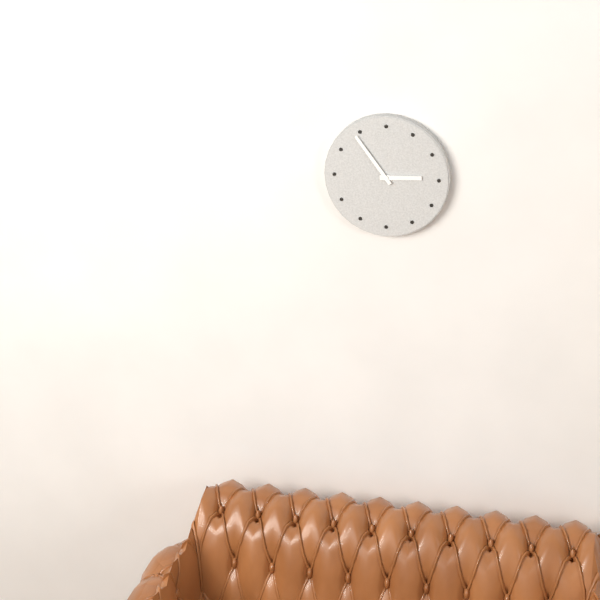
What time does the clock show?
2:54
